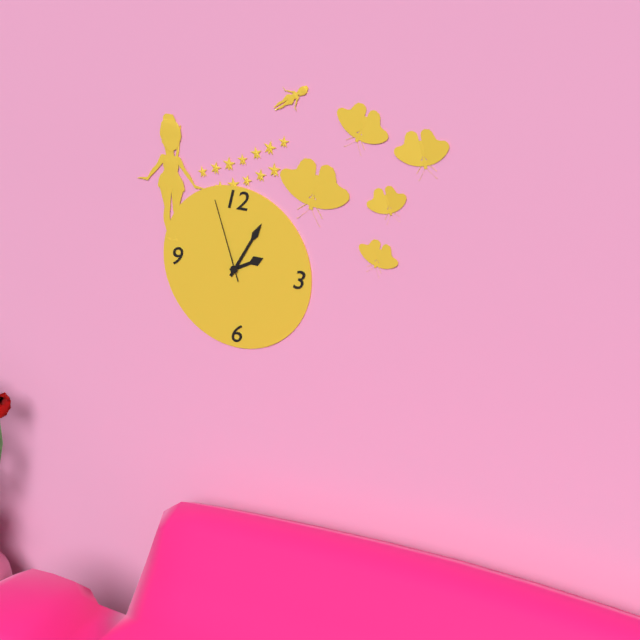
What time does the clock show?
2:05:57
